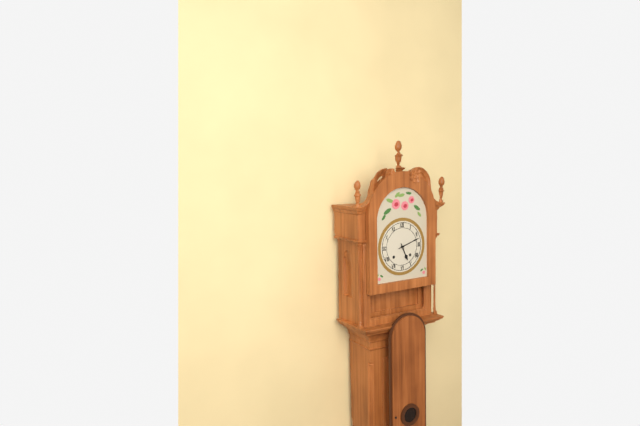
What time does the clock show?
5:12
